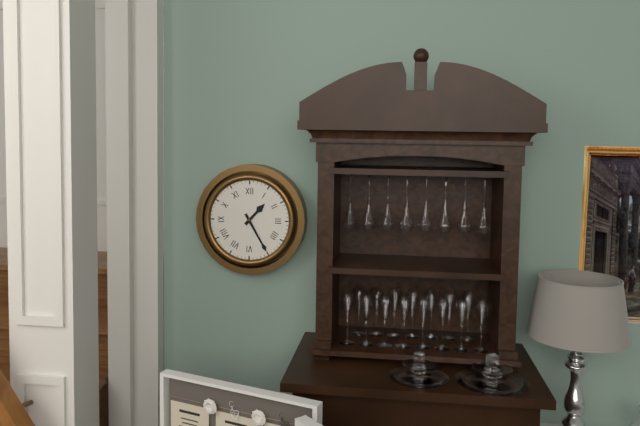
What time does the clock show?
1:25
